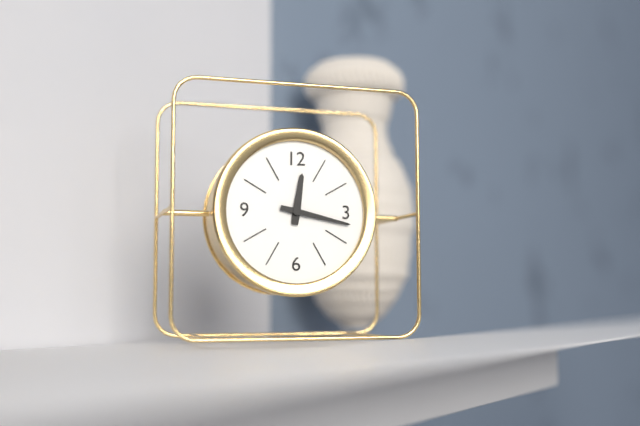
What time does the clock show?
12:17
